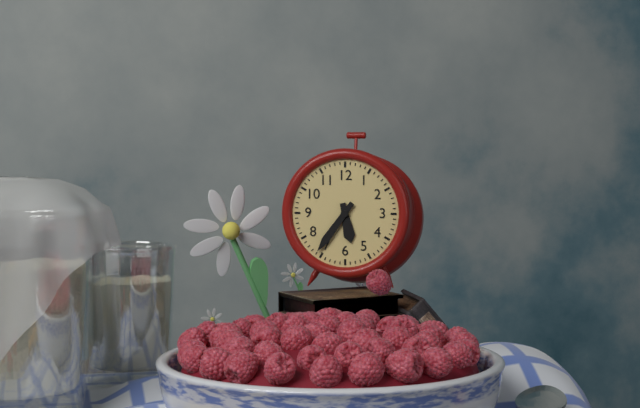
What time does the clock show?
5:36
